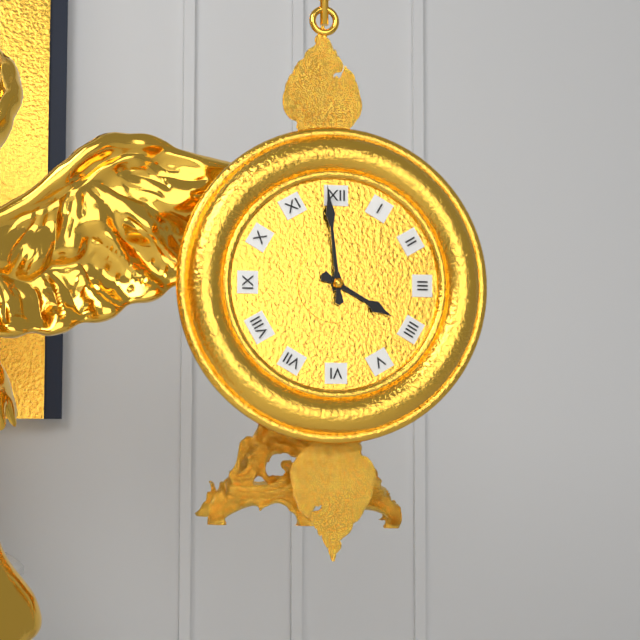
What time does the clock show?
3:59
